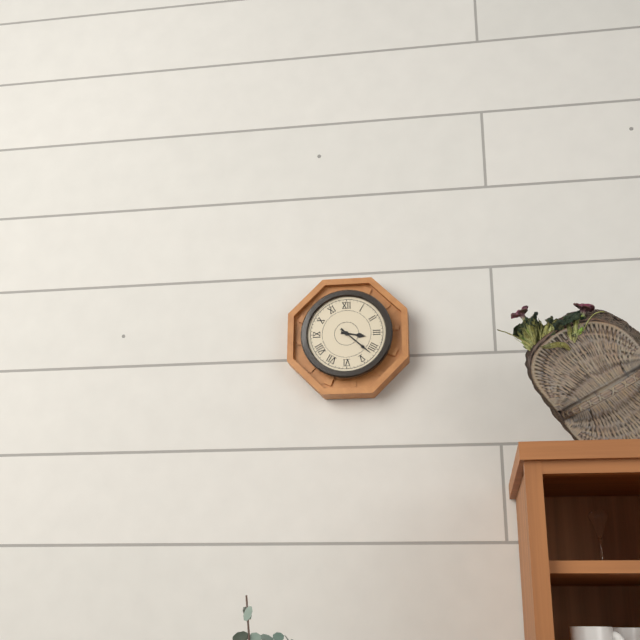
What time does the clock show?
3:22
